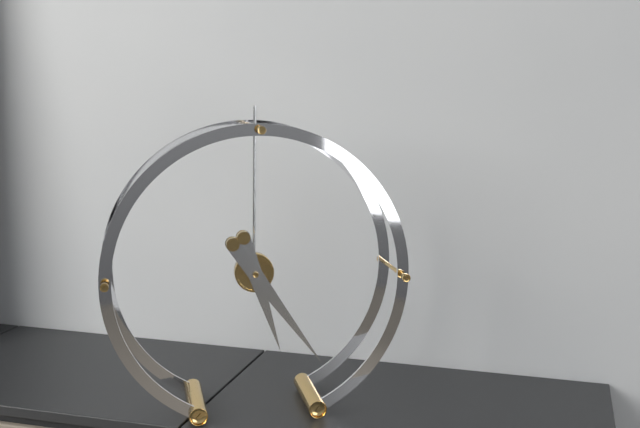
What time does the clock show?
5:24
